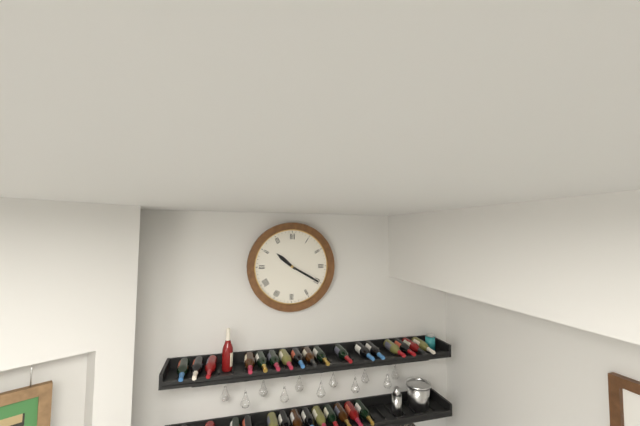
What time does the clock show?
10:20
